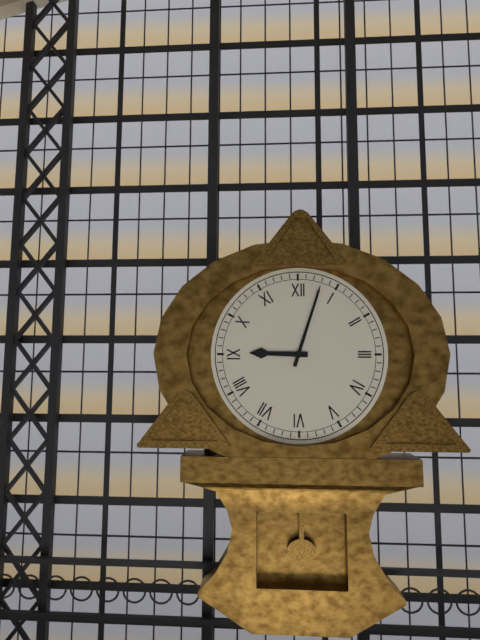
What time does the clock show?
9:03
